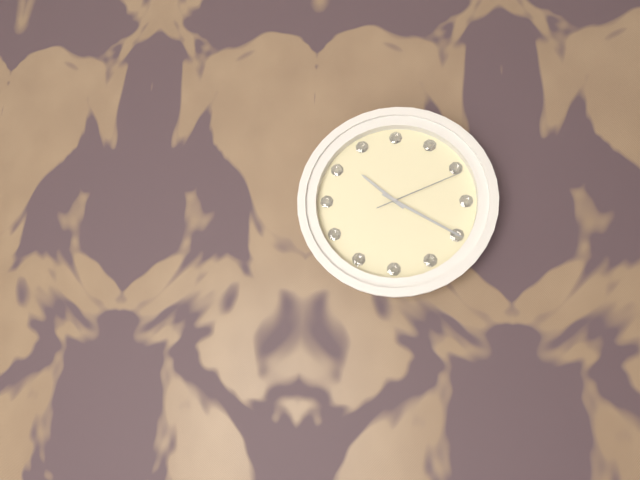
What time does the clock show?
10:20:11
